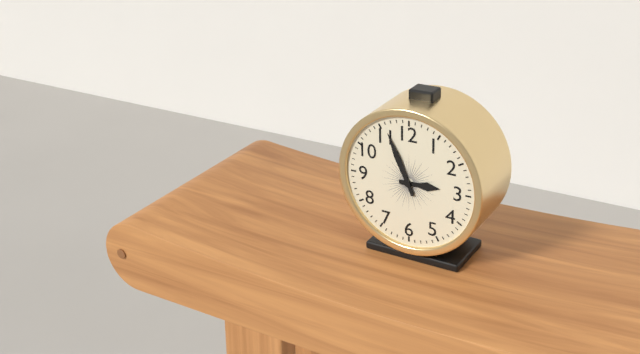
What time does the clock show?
2:56
